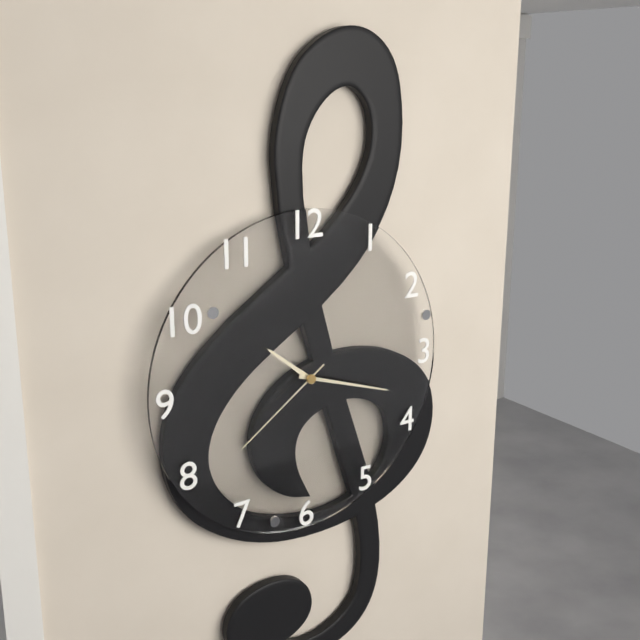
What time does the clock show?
10:18:39
